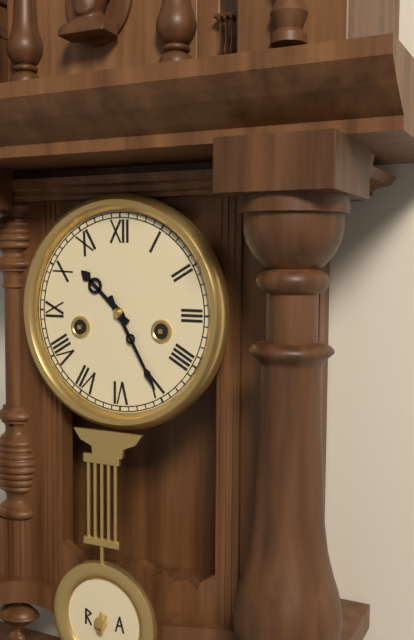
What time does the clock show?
10:25
